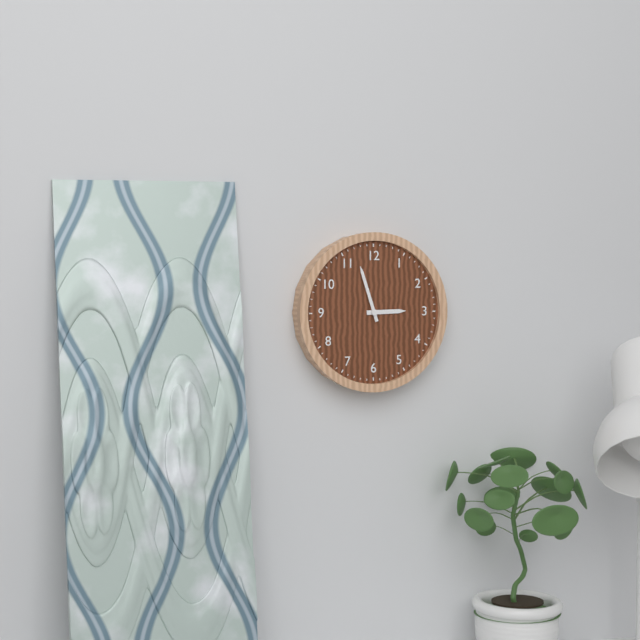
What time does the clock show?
2:57
